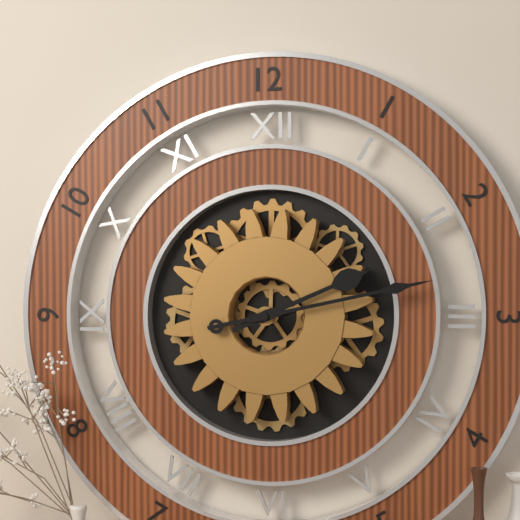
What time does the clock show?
2:13
